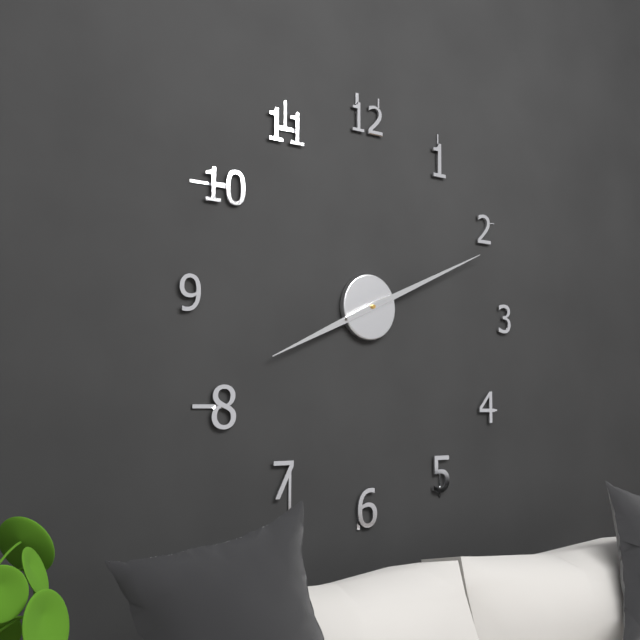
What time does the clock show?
8:11
